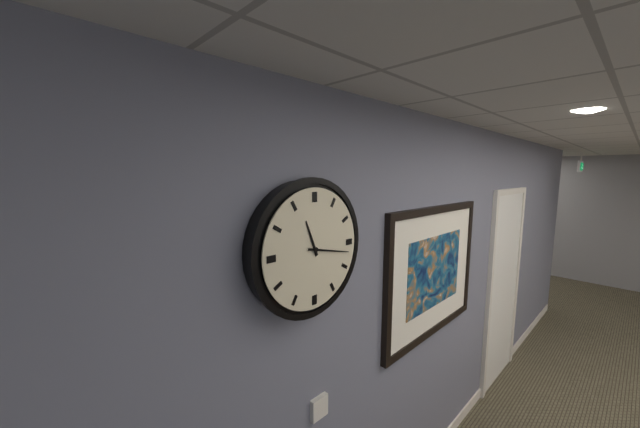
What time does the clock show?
11:17
